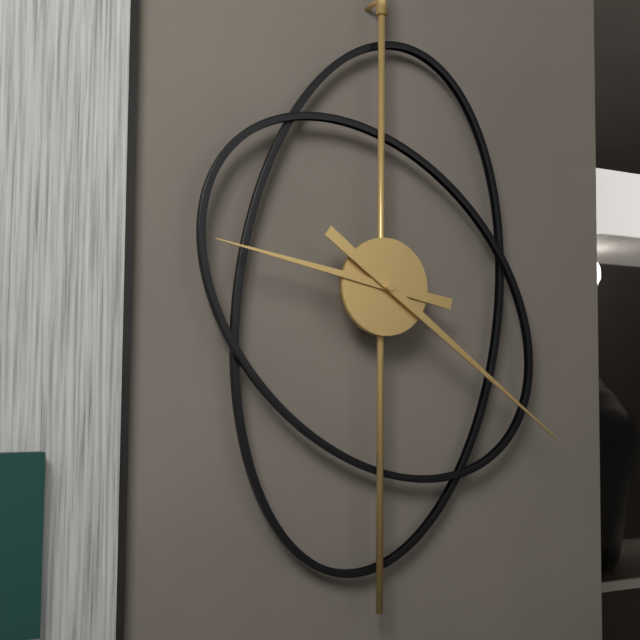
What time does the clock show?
9:21
